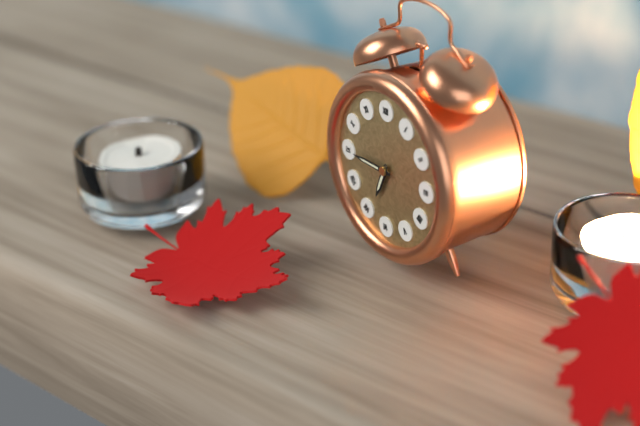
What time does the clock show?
6:45
